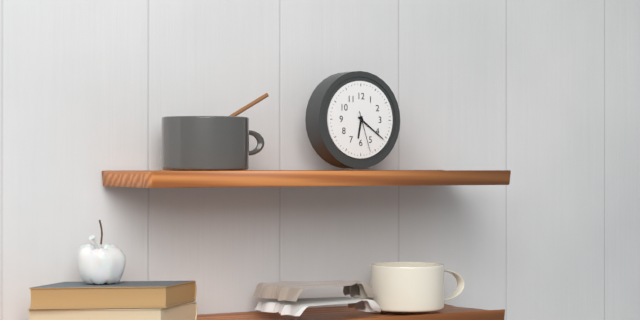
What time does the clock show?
6:21
